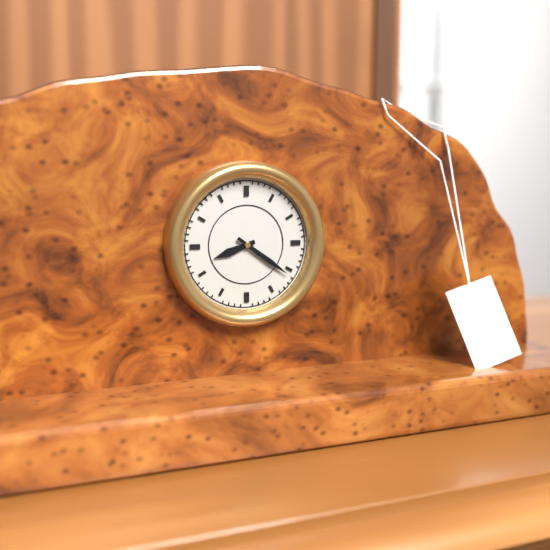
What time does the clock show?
8:21
